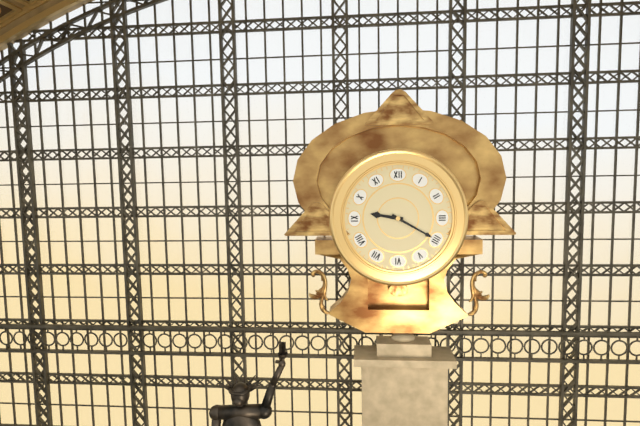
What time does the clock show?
9:20
